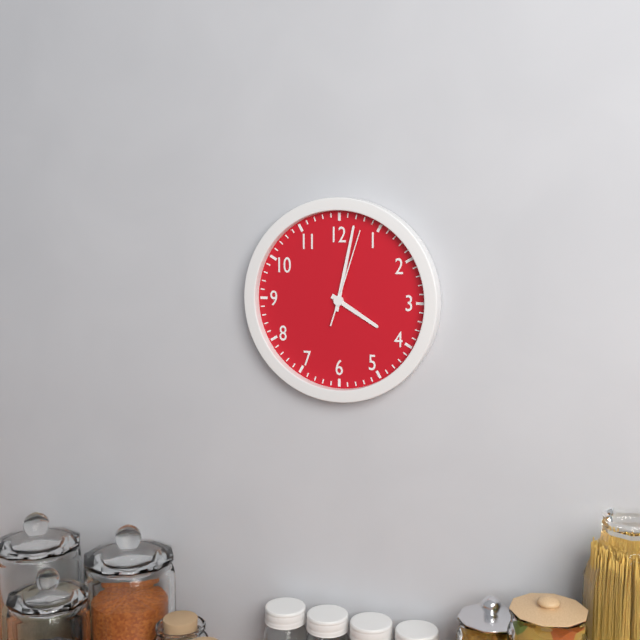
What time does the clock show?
4:02:03
